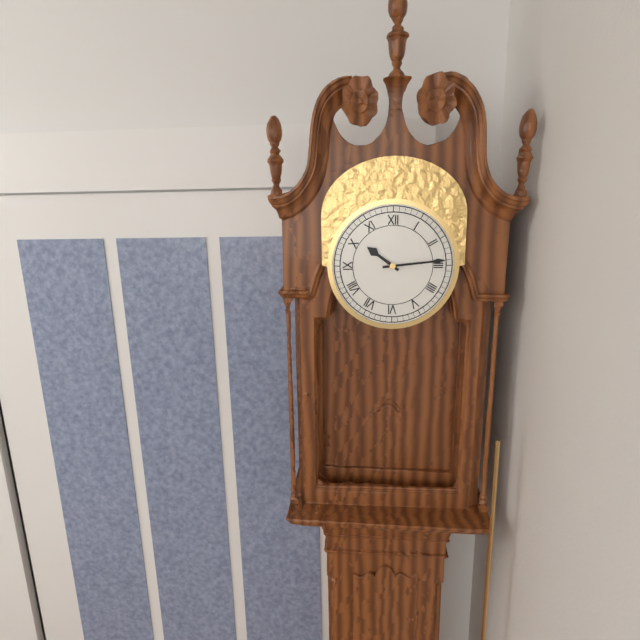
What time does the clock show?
10:14
